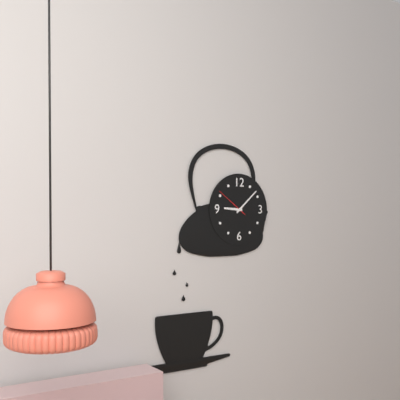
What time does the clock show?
9:08
